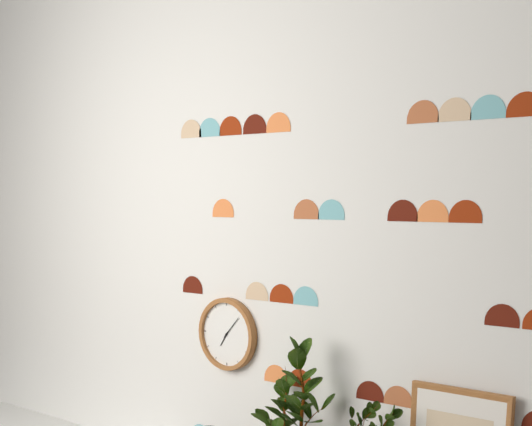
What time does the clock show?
7:07
